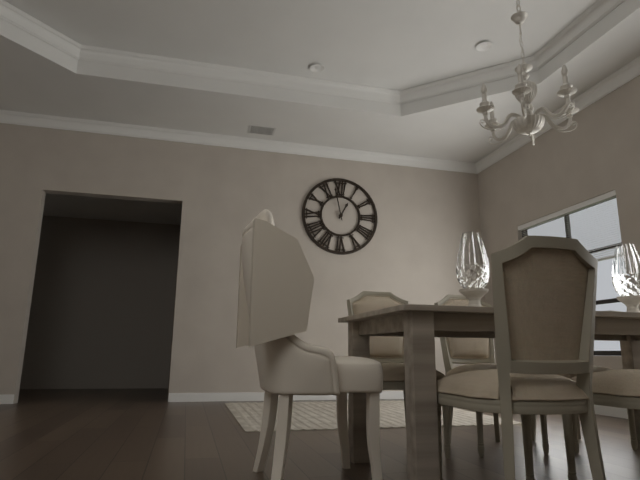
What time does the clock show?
12:58
